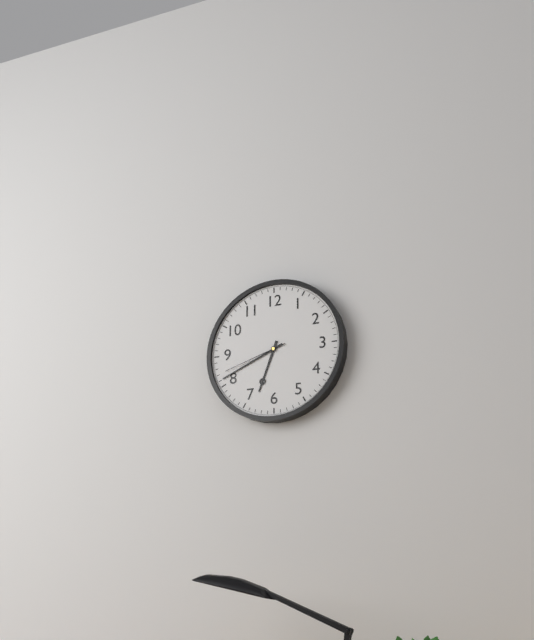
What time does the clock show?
6:41:42
